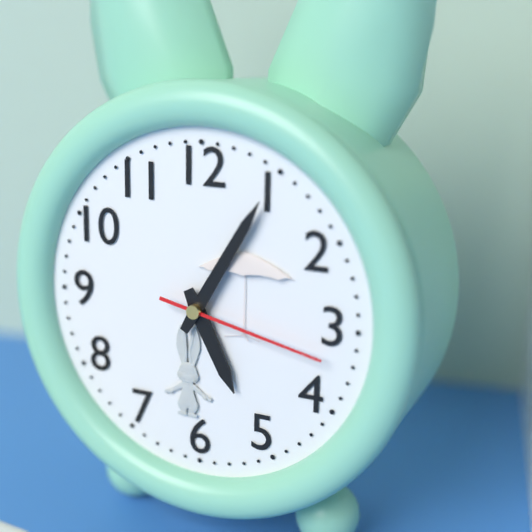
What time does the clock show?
5:05:17
